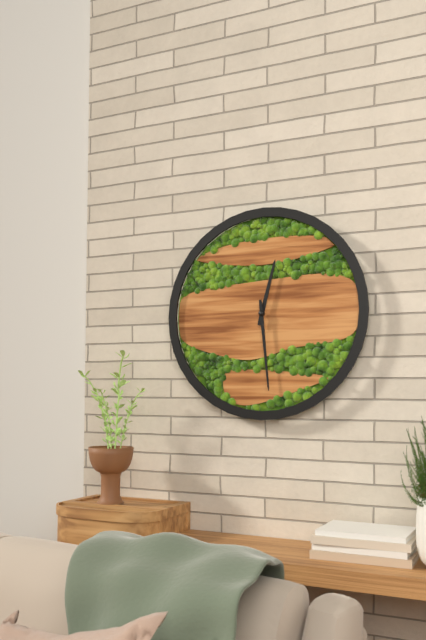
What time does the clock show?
12:29
